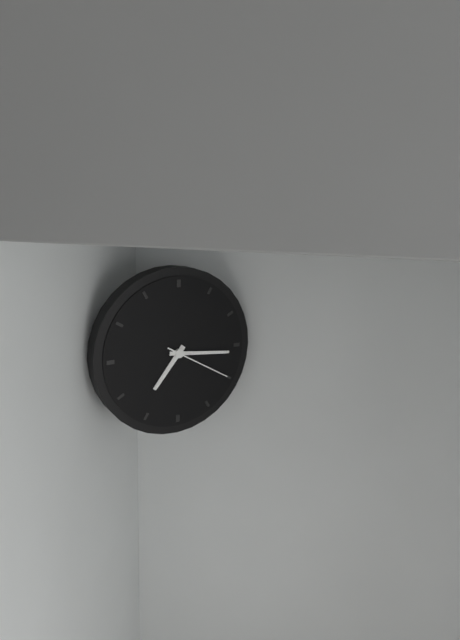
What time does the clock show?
7:16:20
